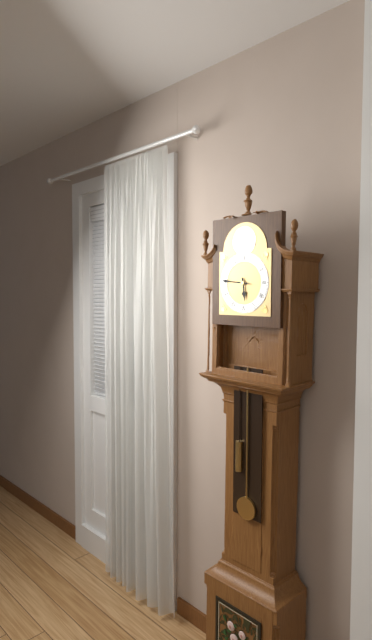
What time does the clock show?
5:46
